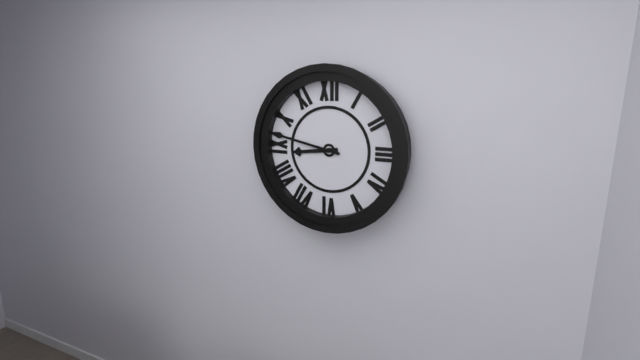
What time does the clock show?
8:47
